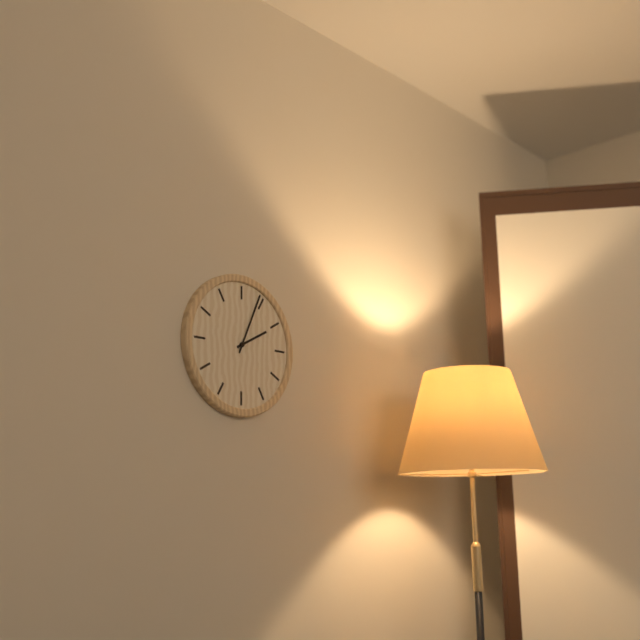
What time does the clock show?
2:04
